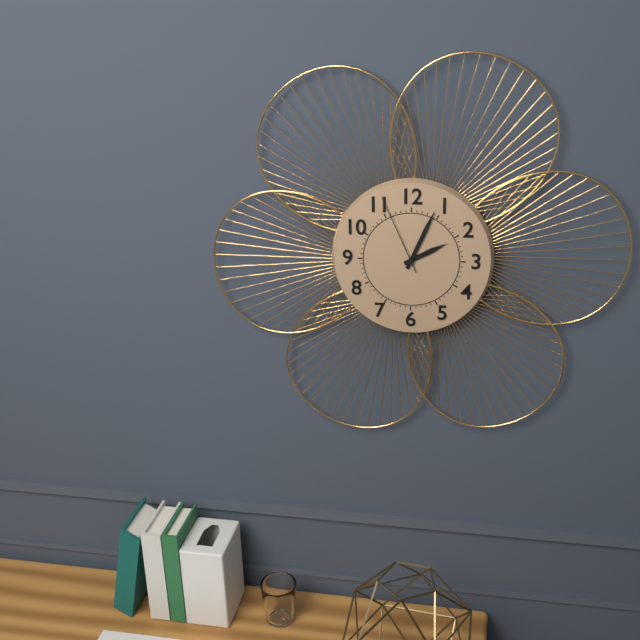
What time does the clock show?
2:04:56
